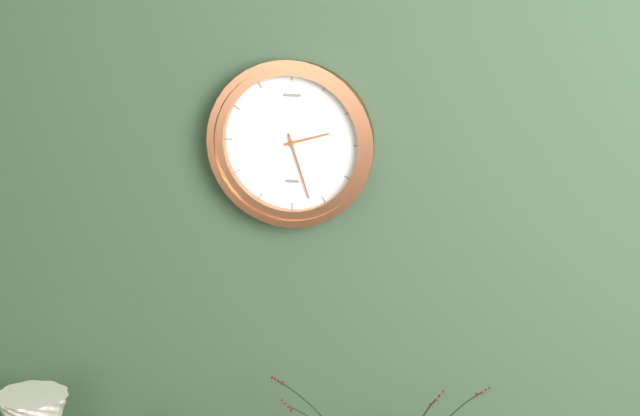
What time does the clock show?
2:27
